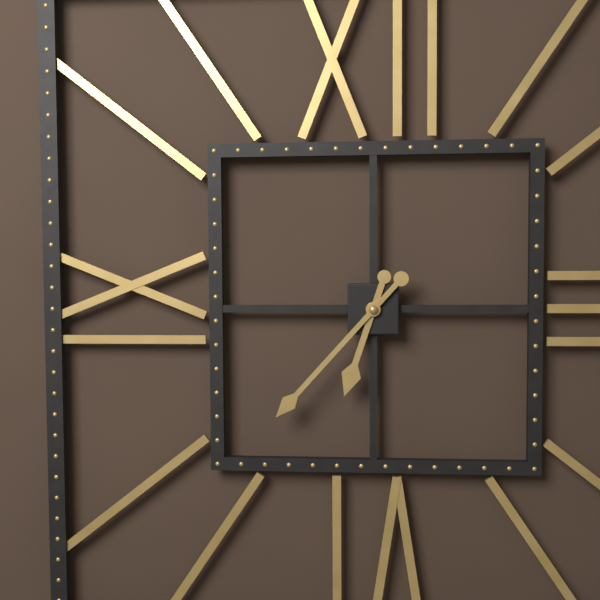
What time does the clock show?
6:37
